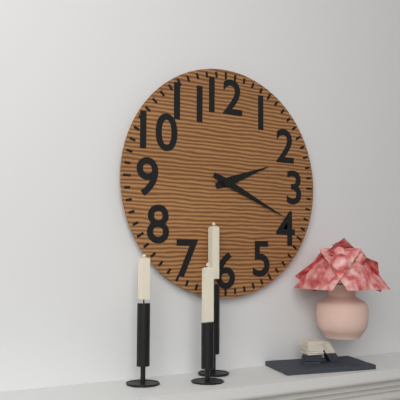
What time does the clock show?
2:19
